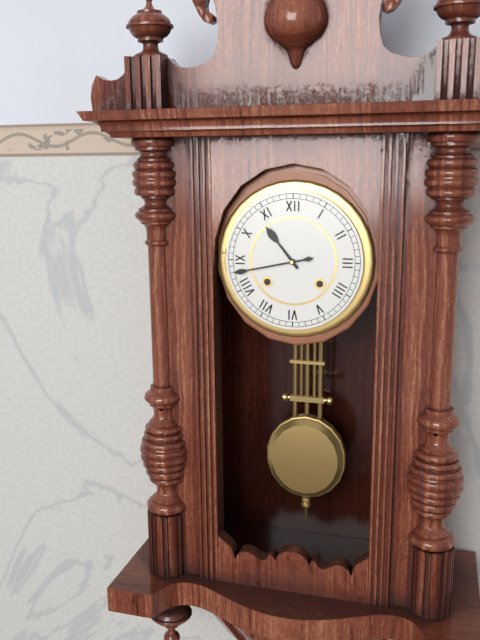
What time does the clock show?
10:43
